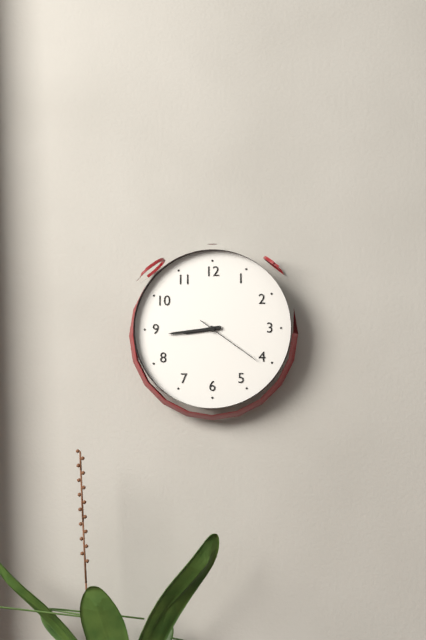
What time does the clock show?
8:44:21
